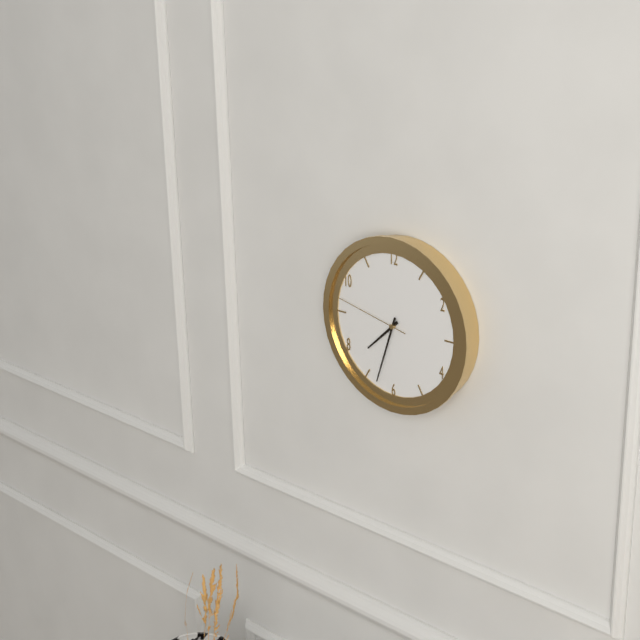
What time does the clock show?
7:33:47
